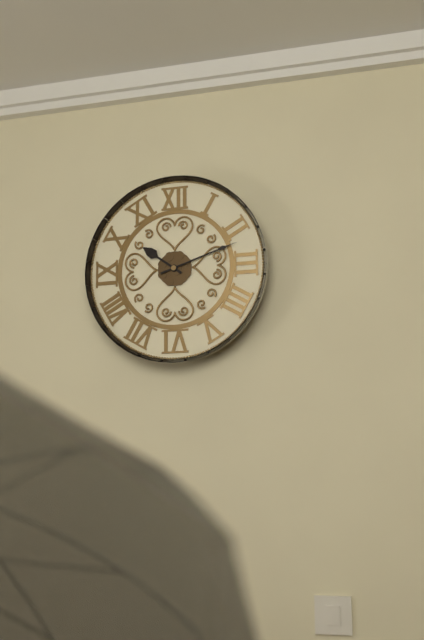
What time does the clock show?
10:12
